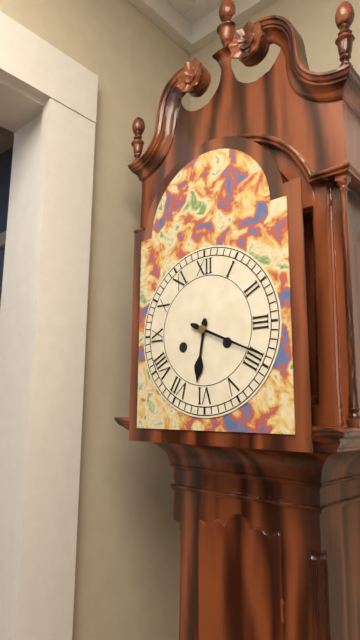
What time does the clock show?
6:19
